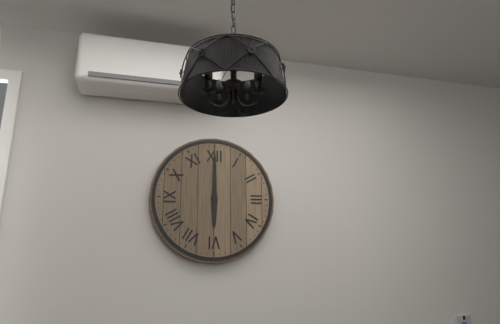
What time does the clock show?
6:00
